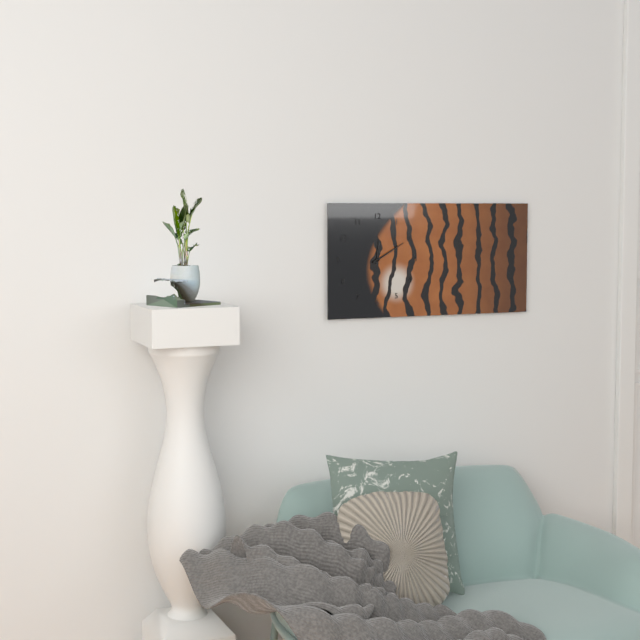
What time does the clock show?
12:10
